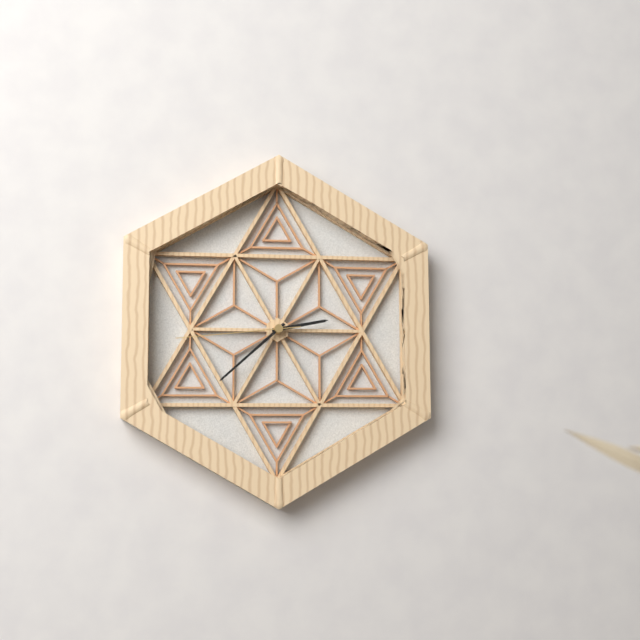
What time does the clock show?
2:38:44
